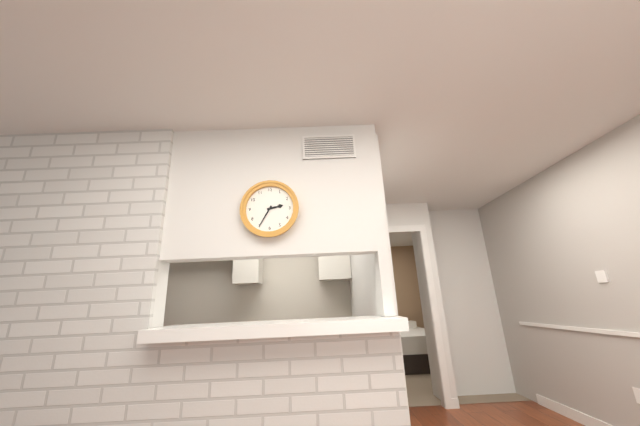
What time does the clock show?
2:35
